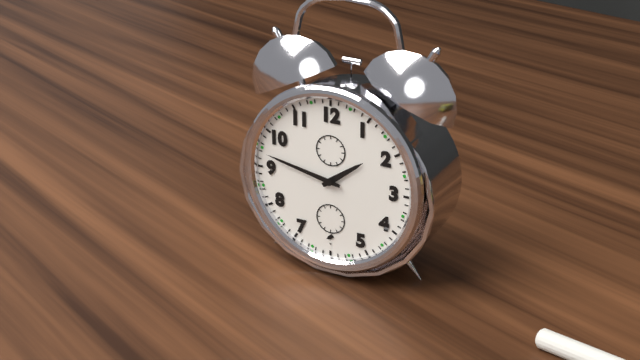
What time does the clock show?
1:47
